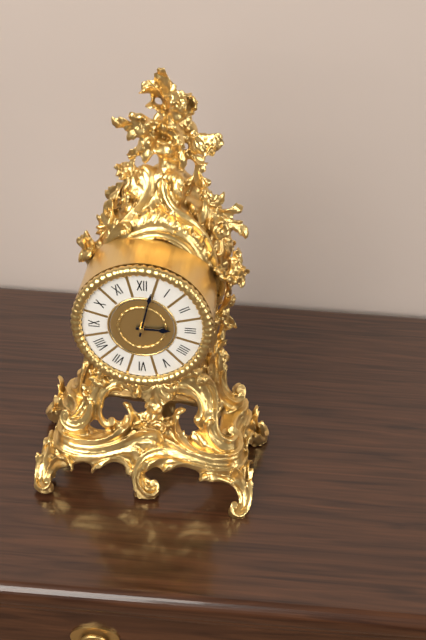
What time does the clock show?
3:02
